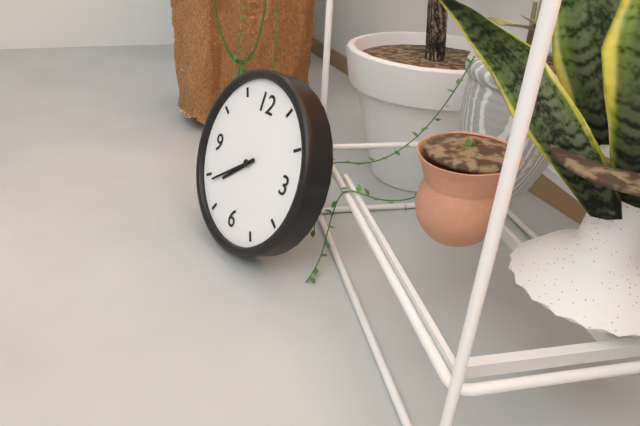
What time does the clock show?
7:39
